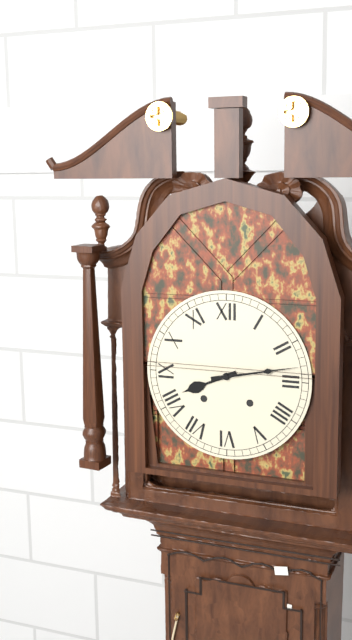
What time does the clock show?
8:13
